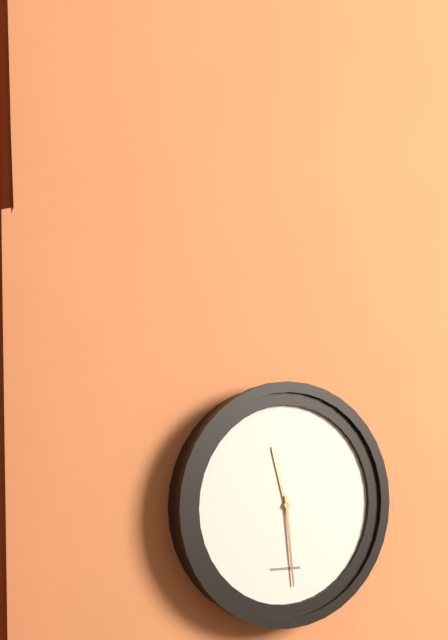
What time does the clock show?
11:29
